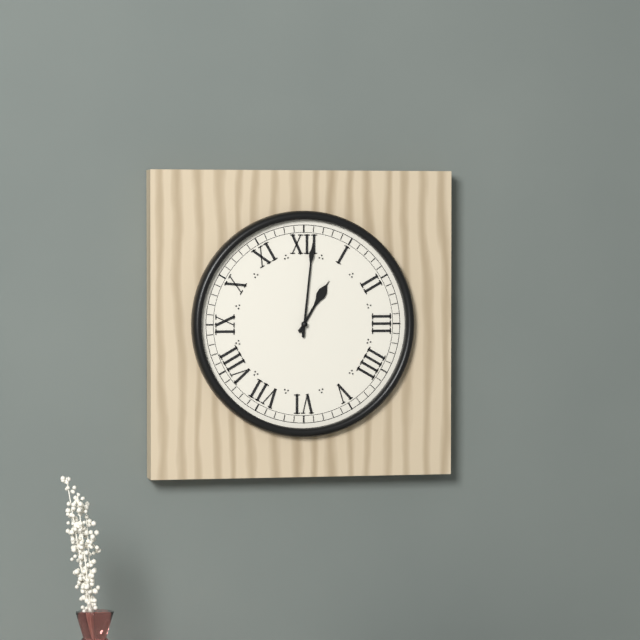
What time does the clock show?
1:01
